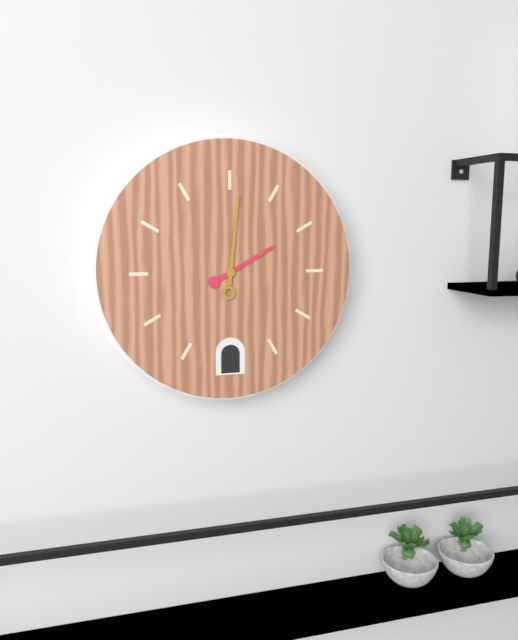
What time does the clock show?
2:01
